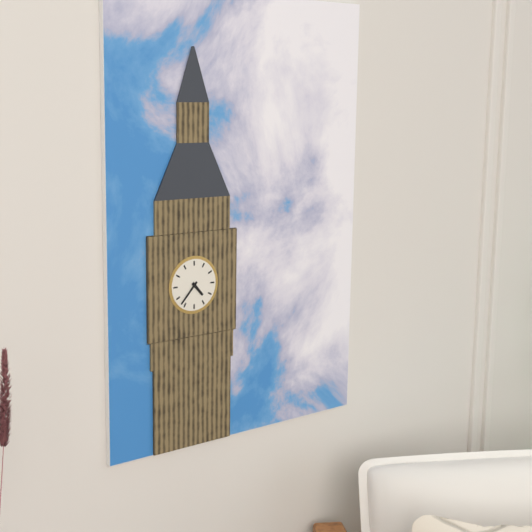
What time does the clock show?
4:37
